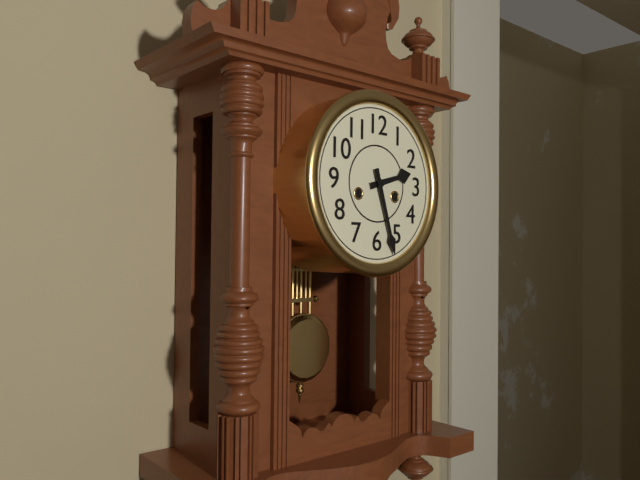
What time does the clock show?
2:27
